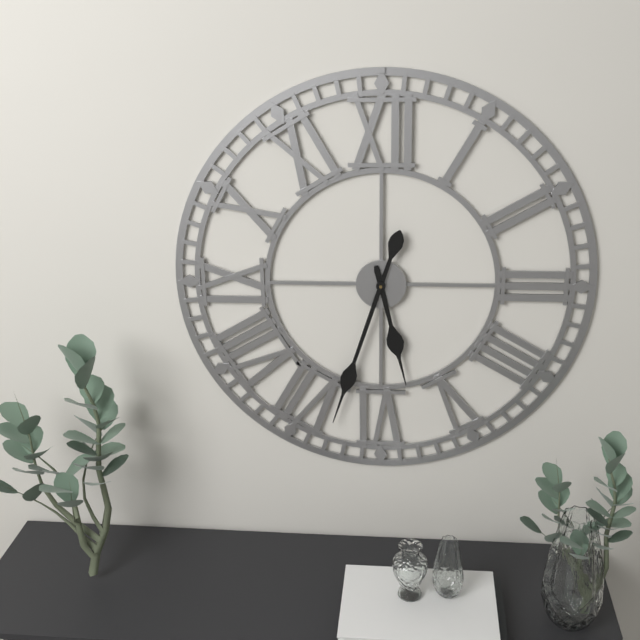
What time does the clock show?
5:33
